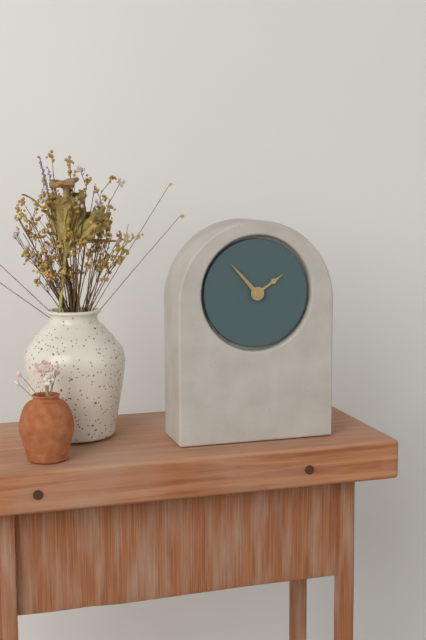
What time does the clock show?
1:53
